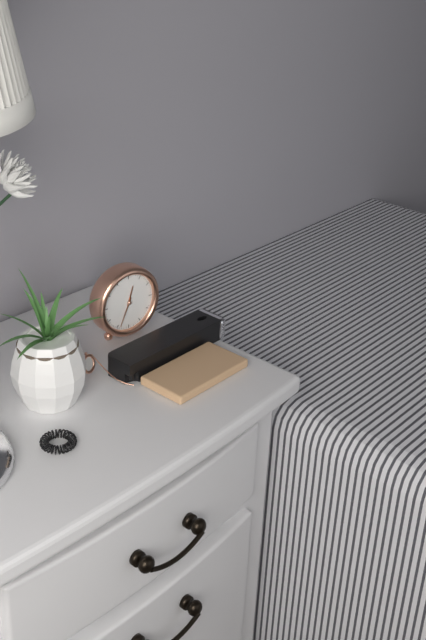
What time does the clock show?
12:34
